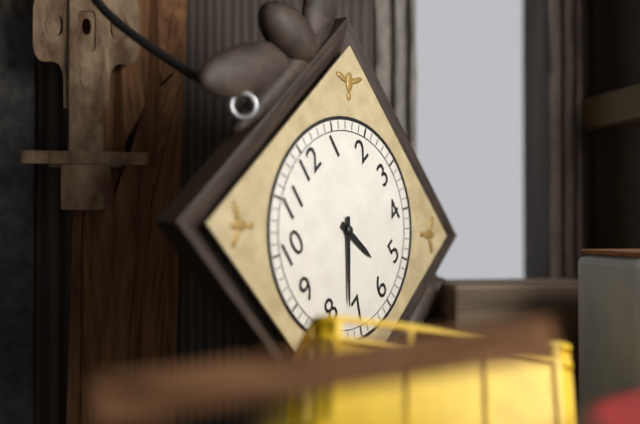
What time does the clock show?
5:37
